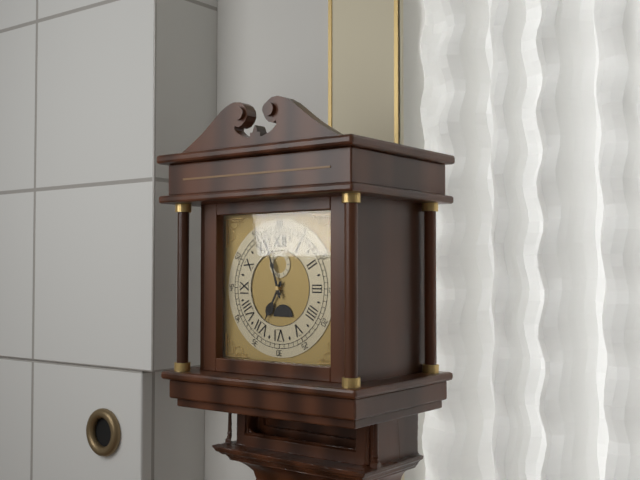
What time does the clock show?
6:57
